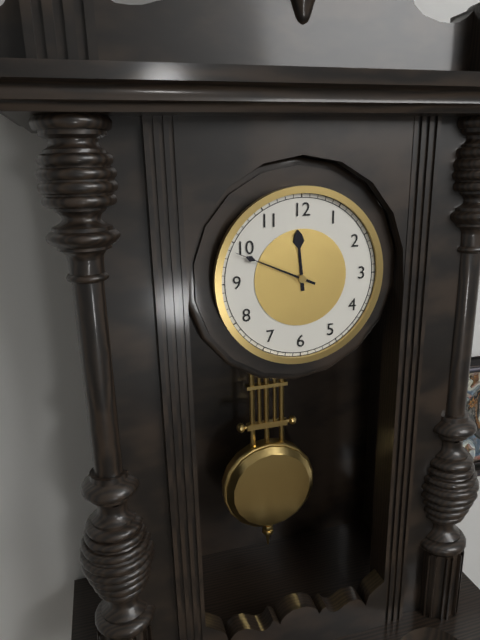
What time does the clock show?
11:49
